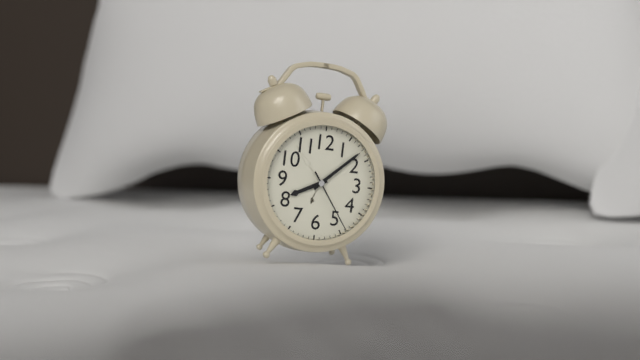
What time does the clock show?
8:08:24
